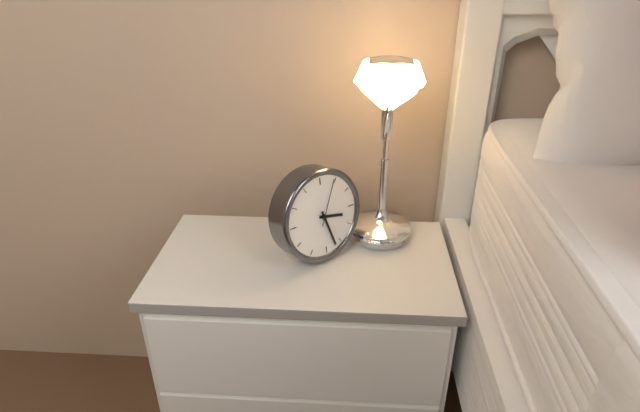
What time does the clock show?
3:27
